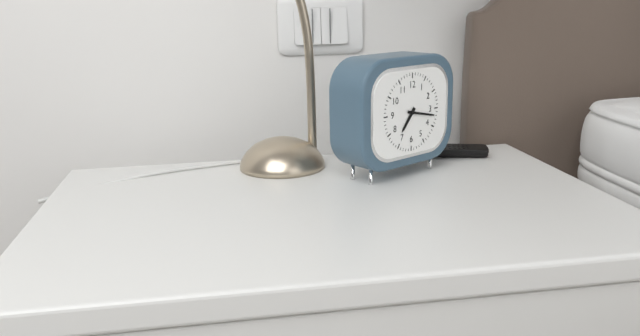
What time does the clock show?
7:17
